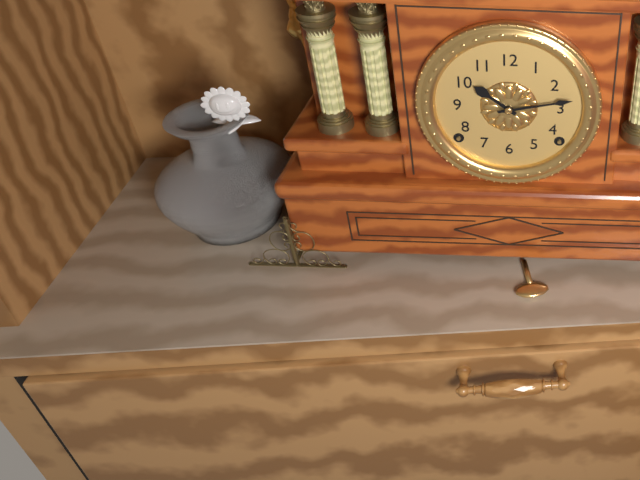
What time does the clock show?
10:13
